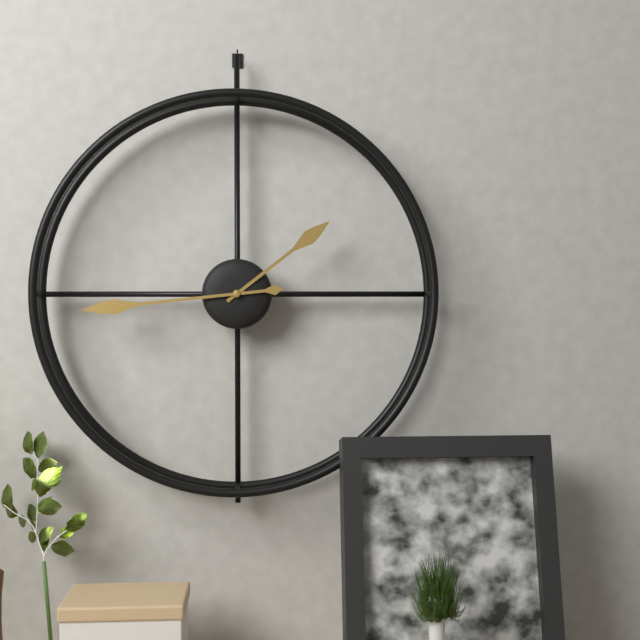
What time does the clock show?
1:44
